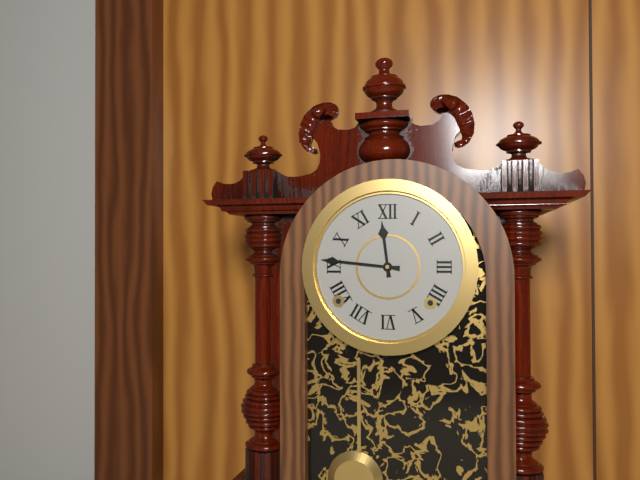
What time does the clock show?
11:46
